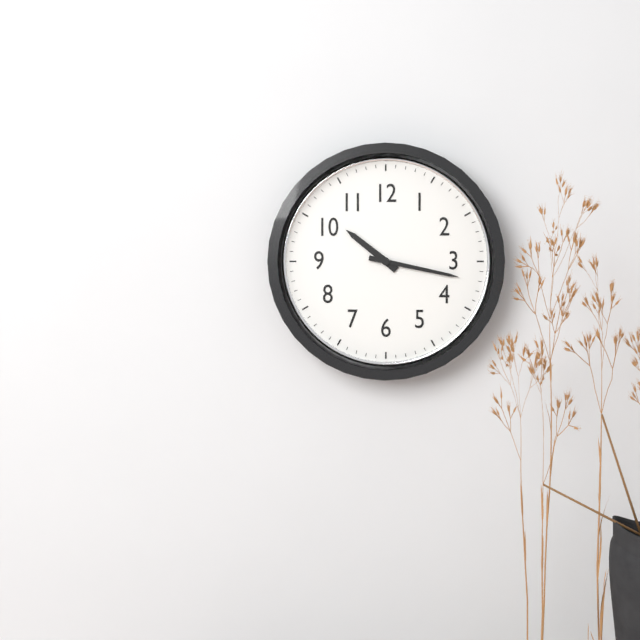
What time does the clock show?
10:17
